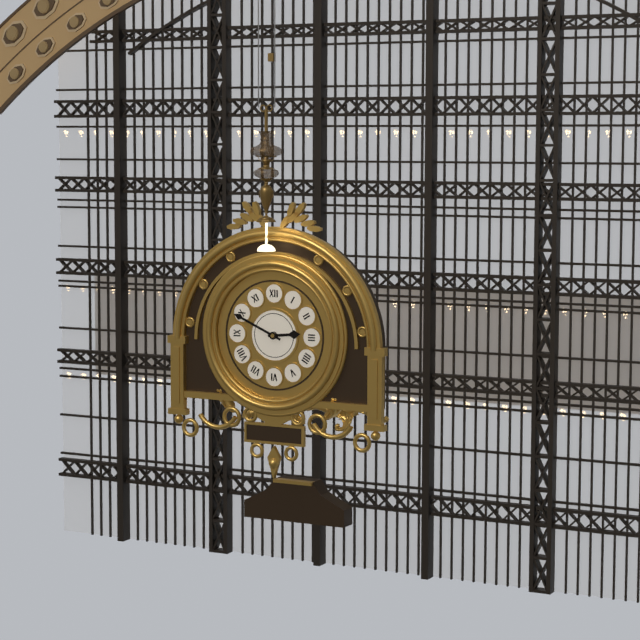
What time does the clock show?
2:49
